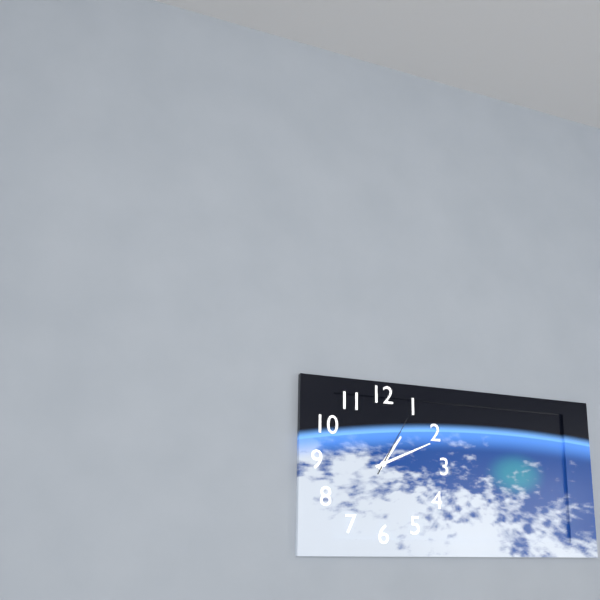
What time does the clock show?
1:11:05
